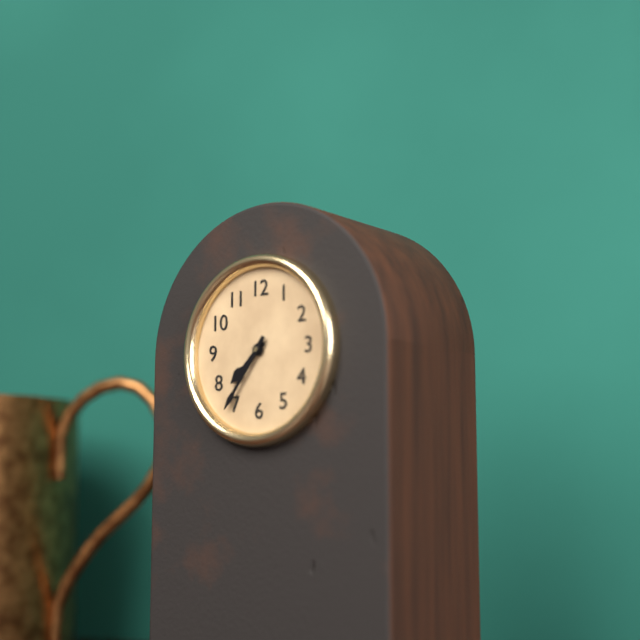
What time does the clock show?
7:36
